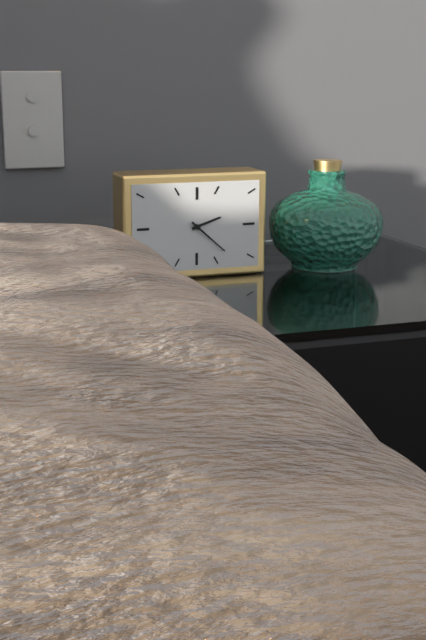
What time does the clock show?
2:22
